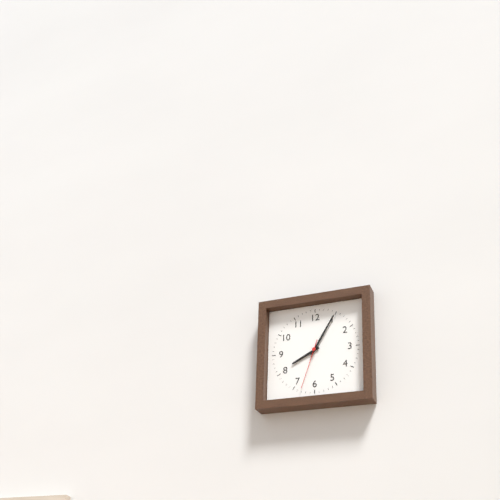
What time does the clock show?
8:05:33
